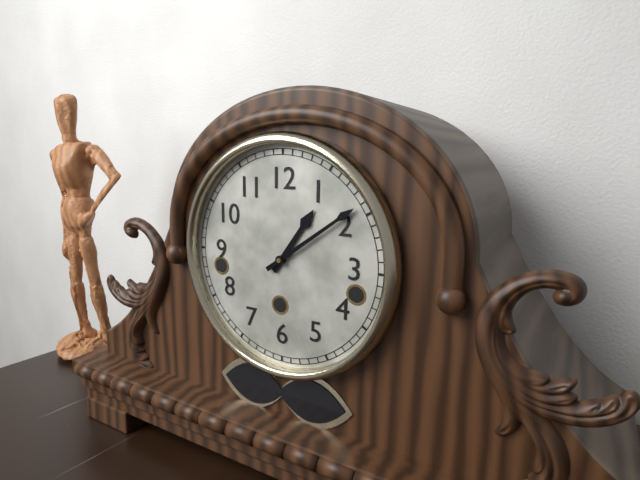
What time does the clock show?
1:09
